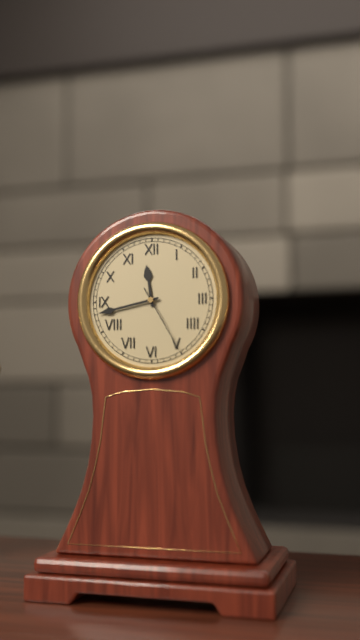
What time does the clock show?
11:43:25
